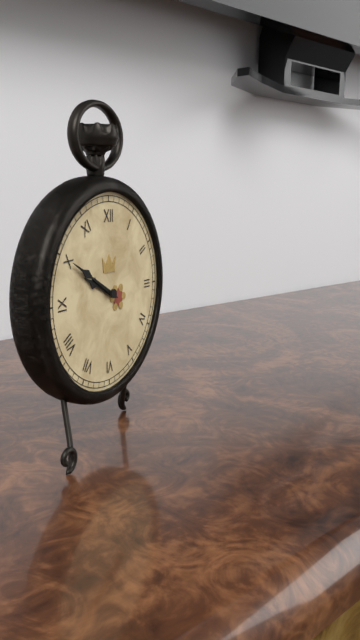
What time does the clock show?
9:50
